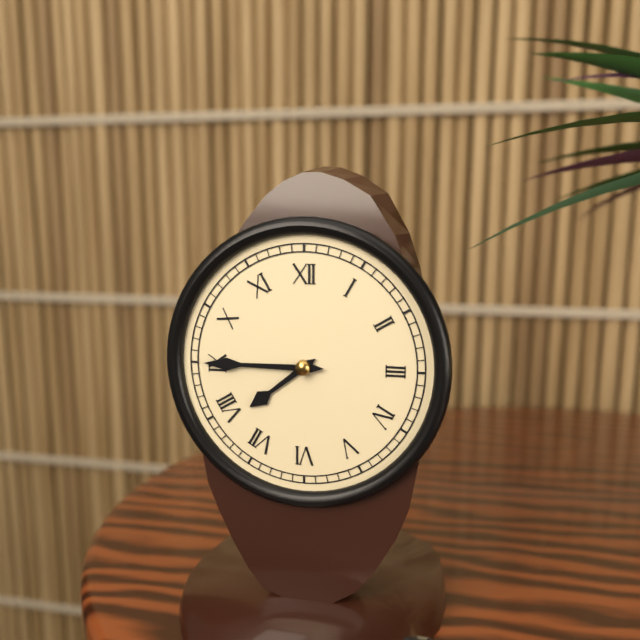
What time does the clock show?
7:45
